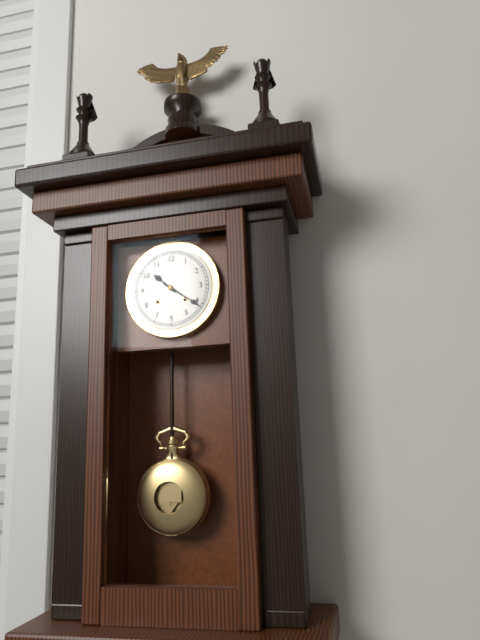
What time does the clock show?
10:21
